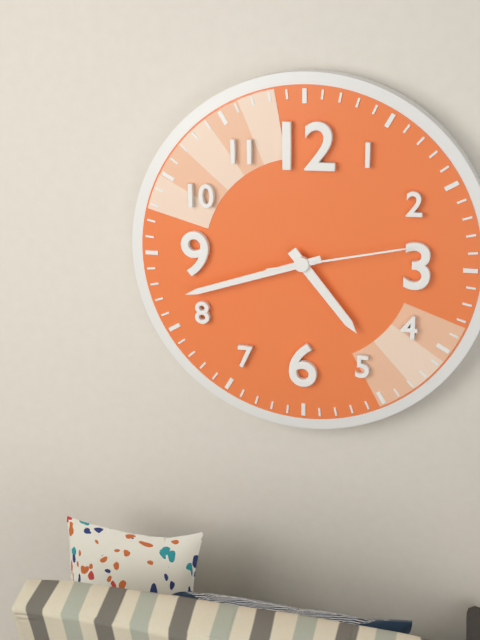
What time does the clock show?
4:42:13
